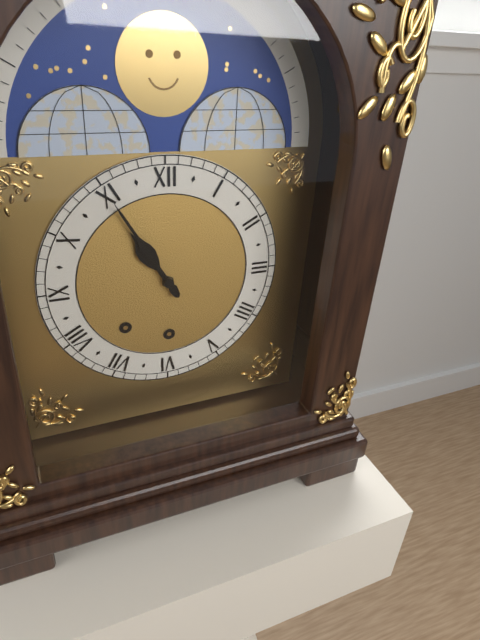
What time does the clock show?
10:55
